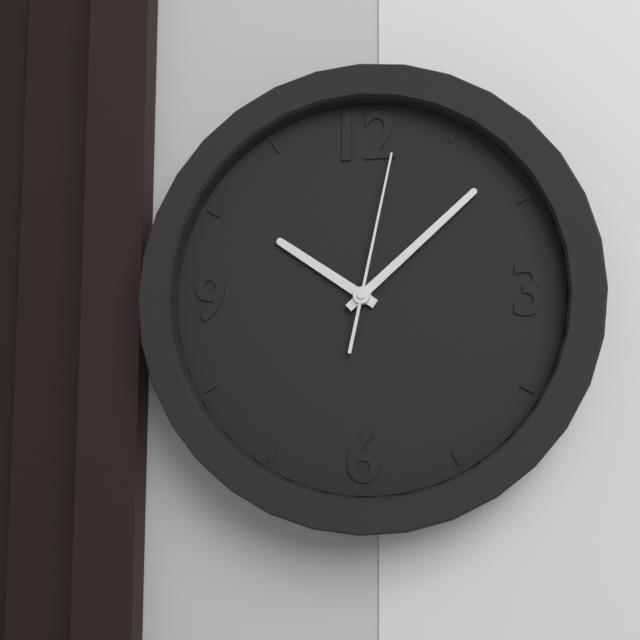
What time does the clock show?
10:08:02
